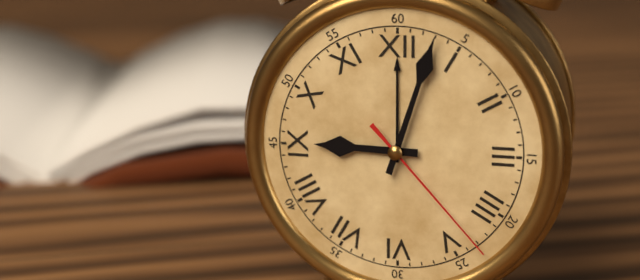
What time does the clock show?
9:03:23
